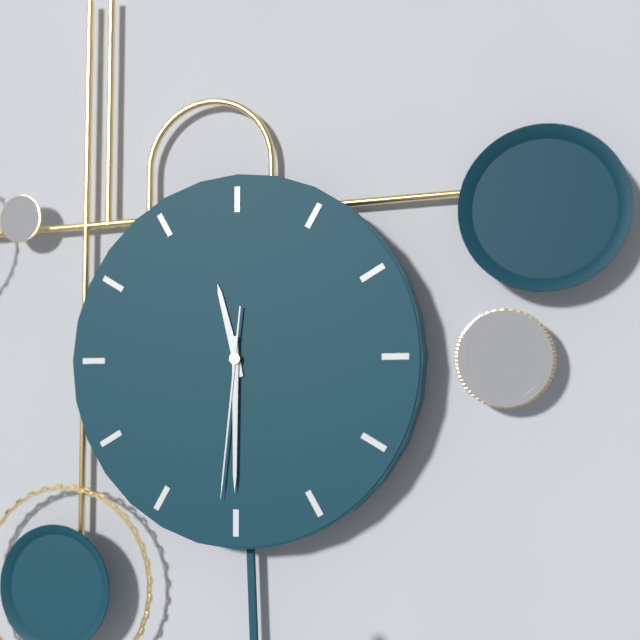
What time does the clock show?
11:30:31
